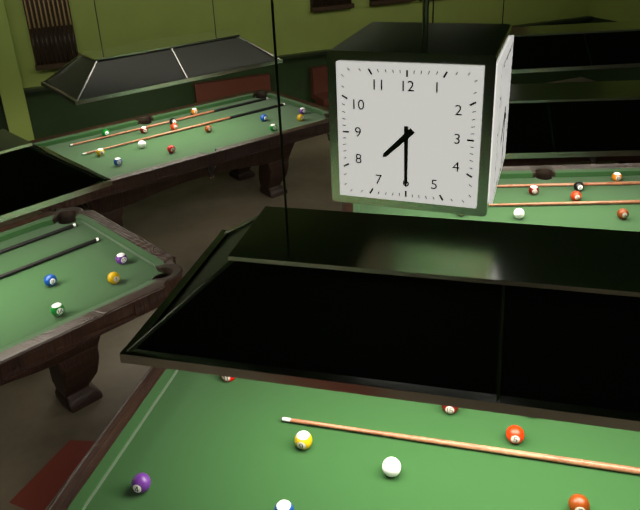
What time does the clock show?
7:30
